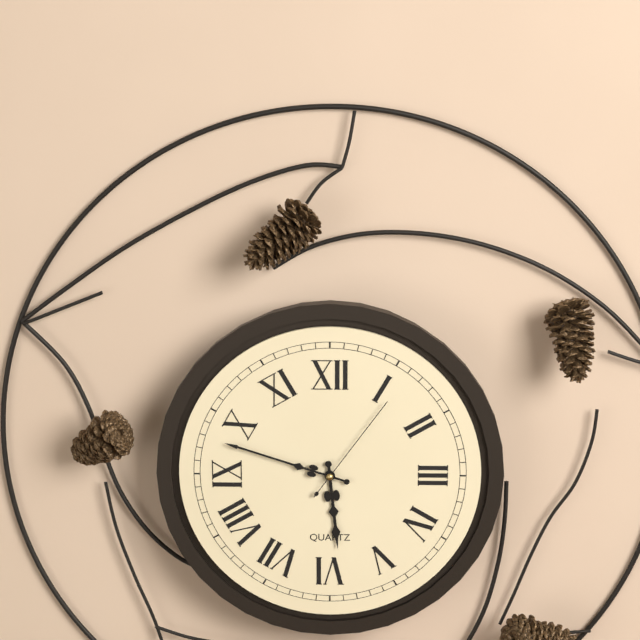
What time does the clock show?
5:48:06
